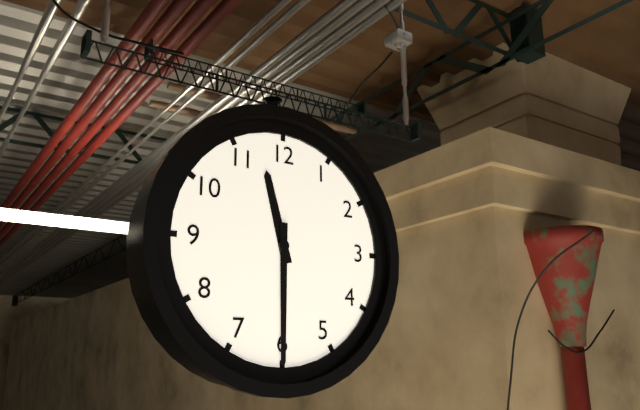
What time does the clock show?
11:30
